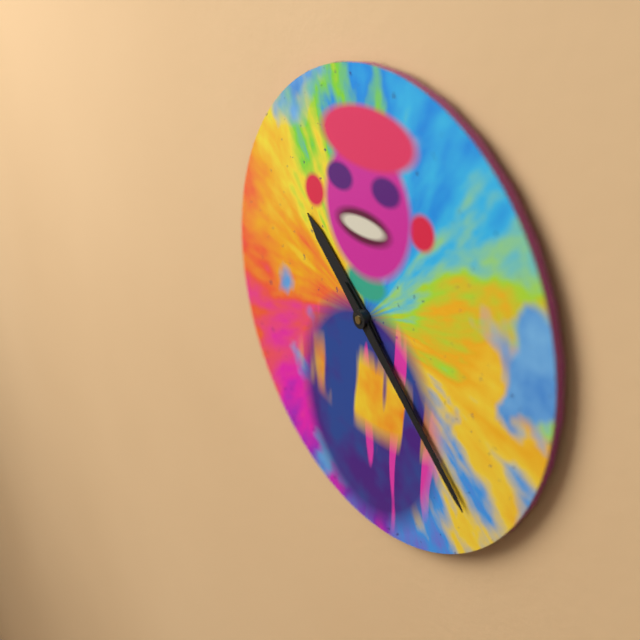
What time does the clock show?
10:22
